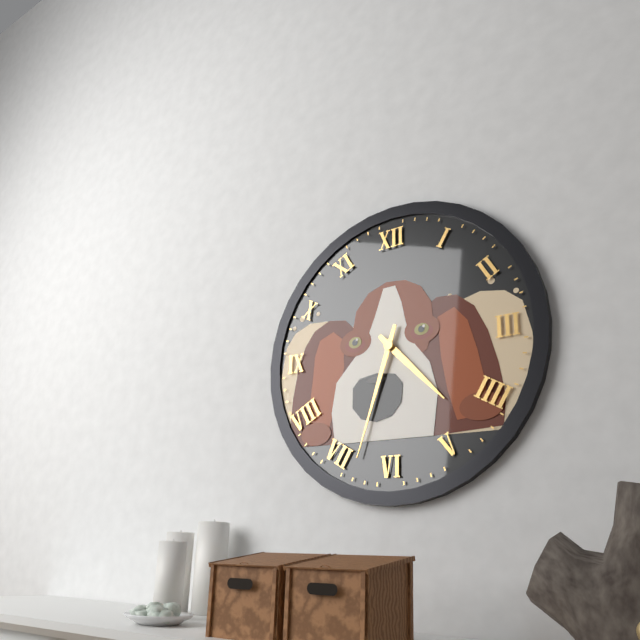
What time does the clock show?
4:33
